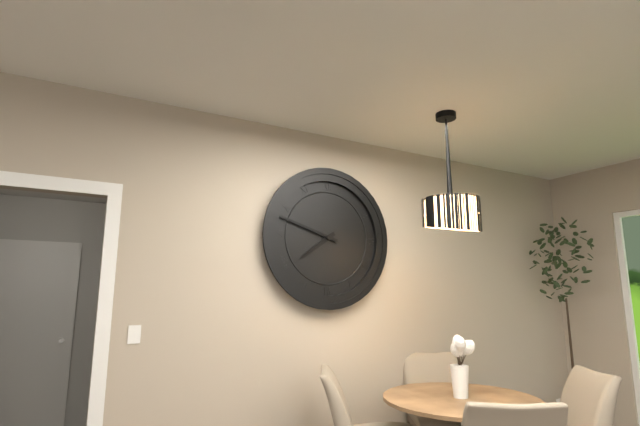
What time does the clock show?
7:48
